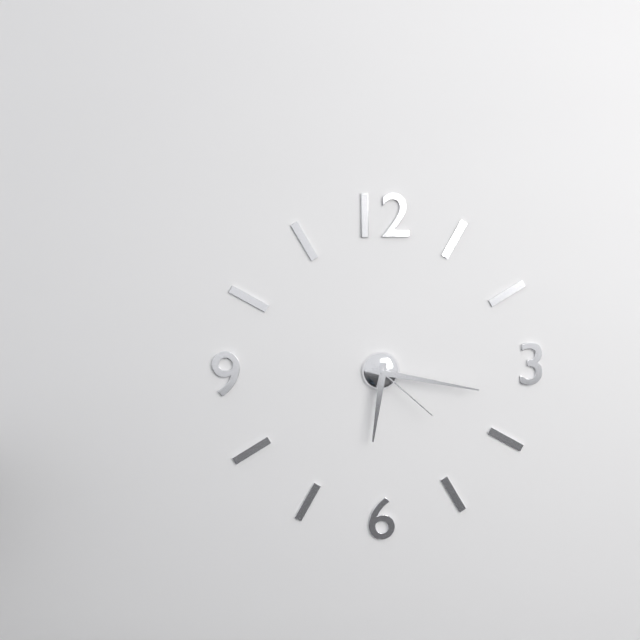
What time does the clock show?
6:17:22
